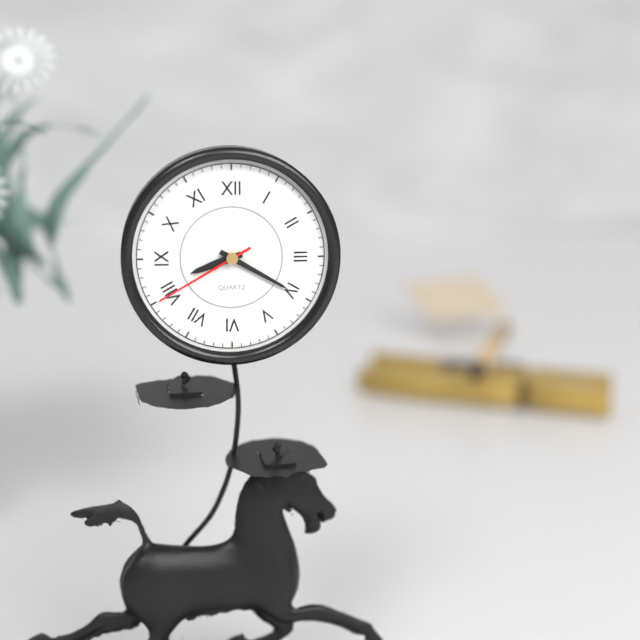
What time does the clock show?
8:20:40
